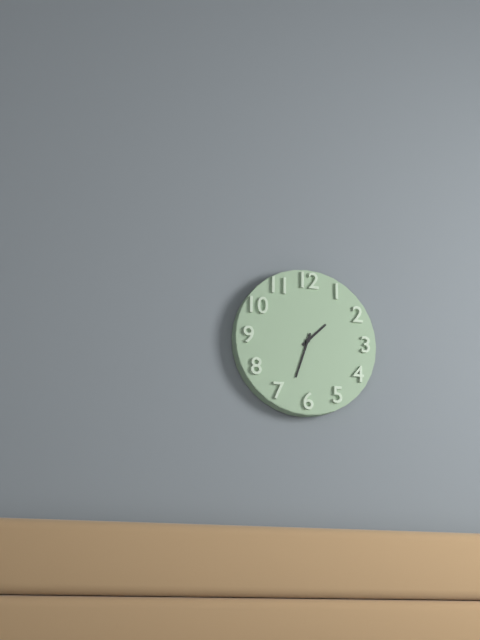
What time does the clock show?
1:33
